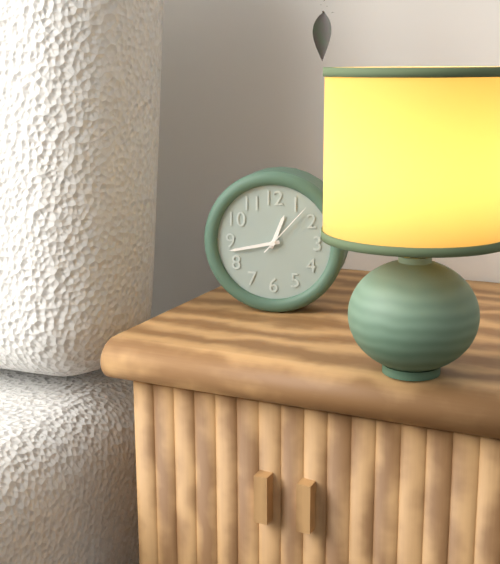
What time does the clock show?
12:43:07
